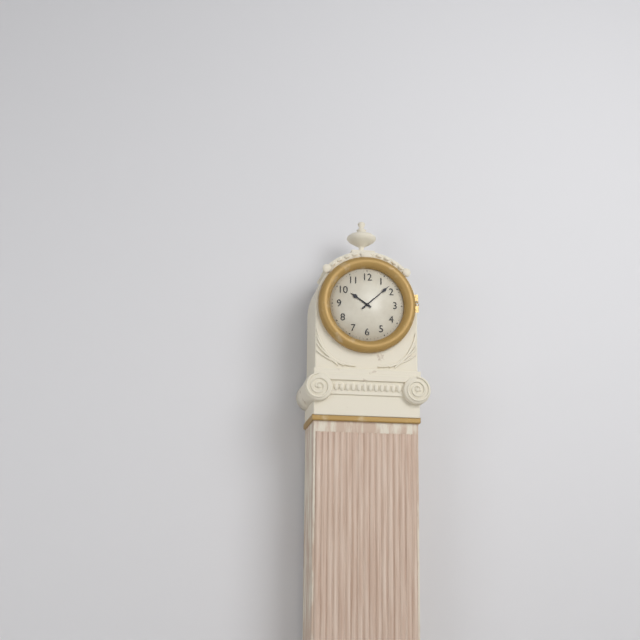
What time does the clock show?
10:08
